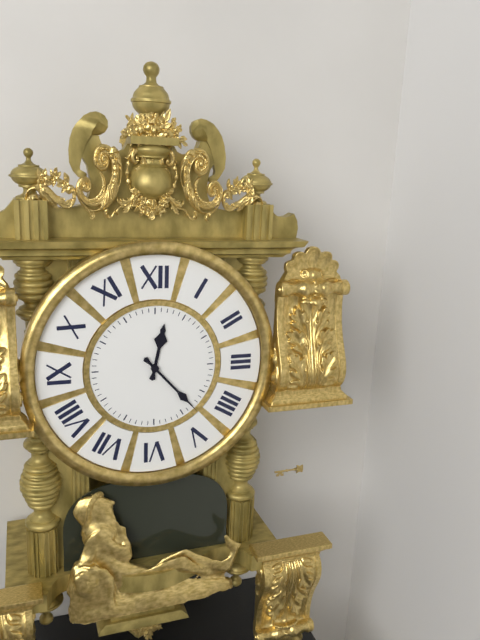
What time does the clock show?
12:23
